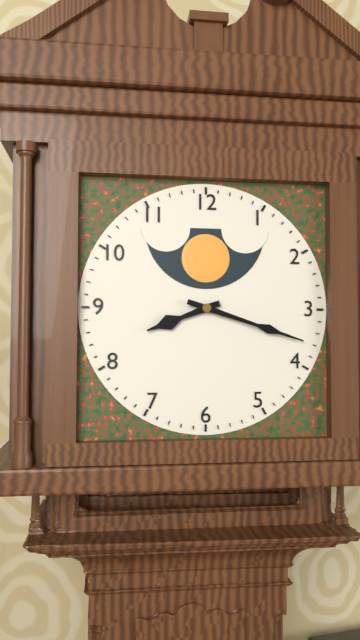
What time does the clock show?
8:18
